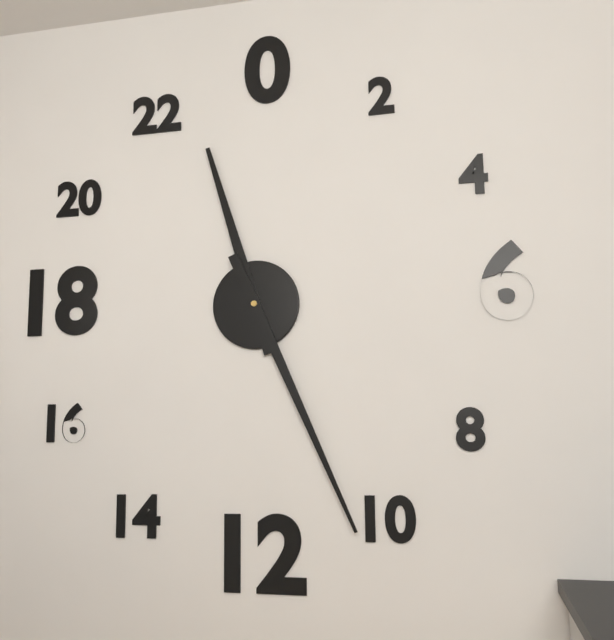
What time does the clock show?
11:26
